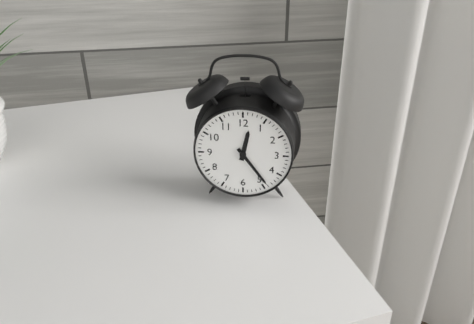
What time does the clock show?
12:24
